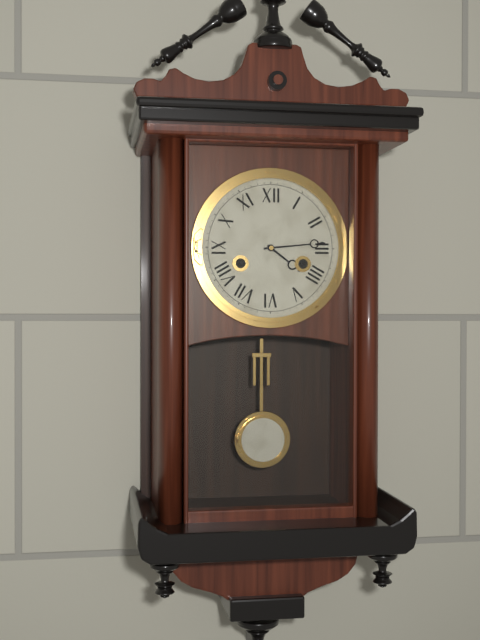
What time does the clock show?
4:14
